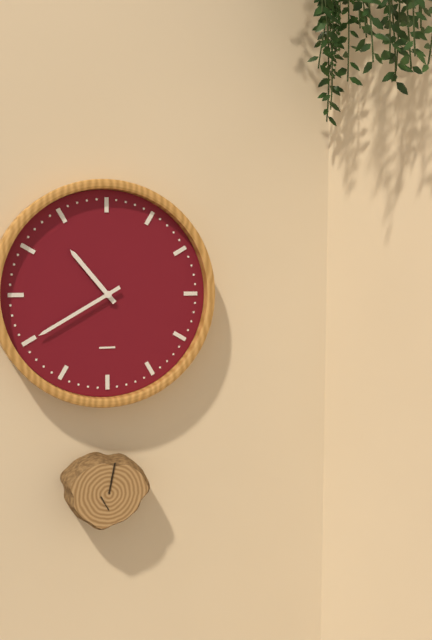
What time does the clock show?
10:40
